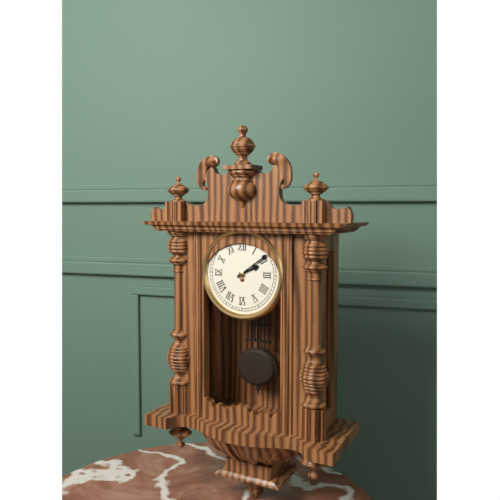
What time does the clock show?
2:09
